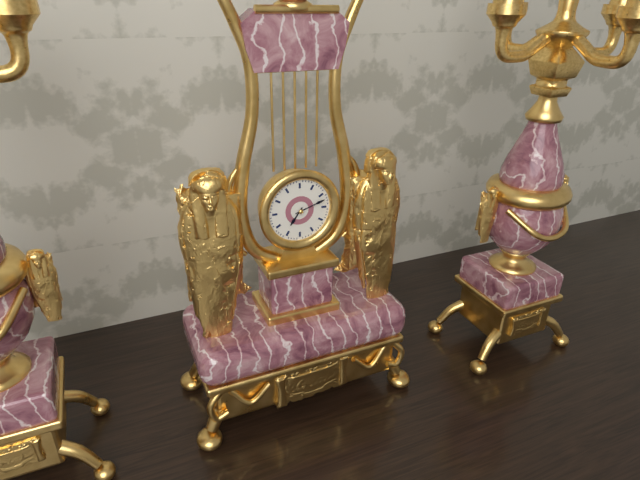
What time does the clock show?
7:12
